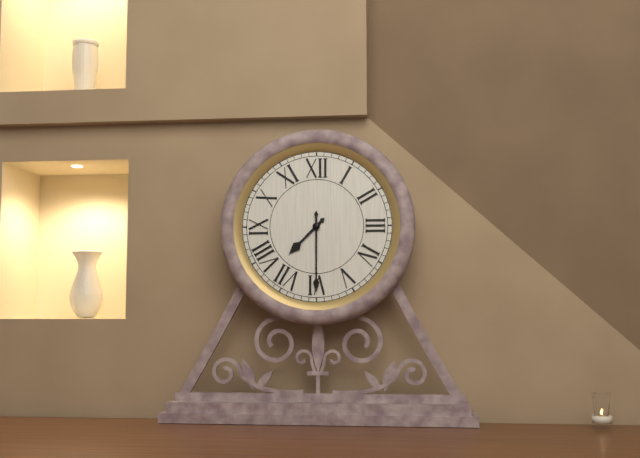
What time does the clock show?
7:30
